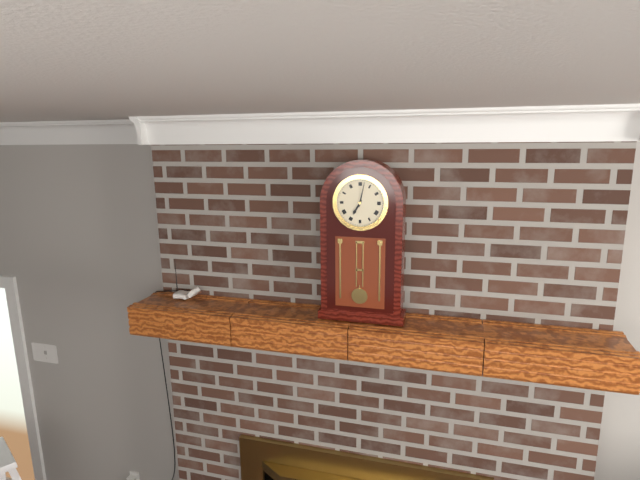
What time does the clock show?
7:02
